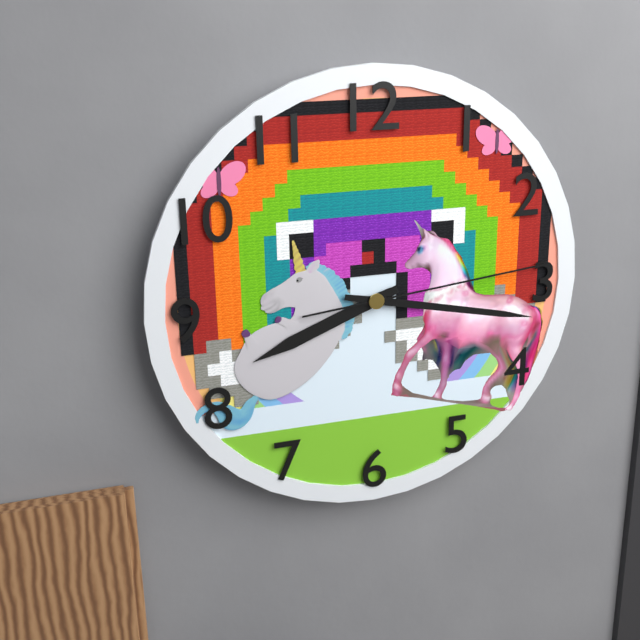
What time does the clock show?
8:17:14
